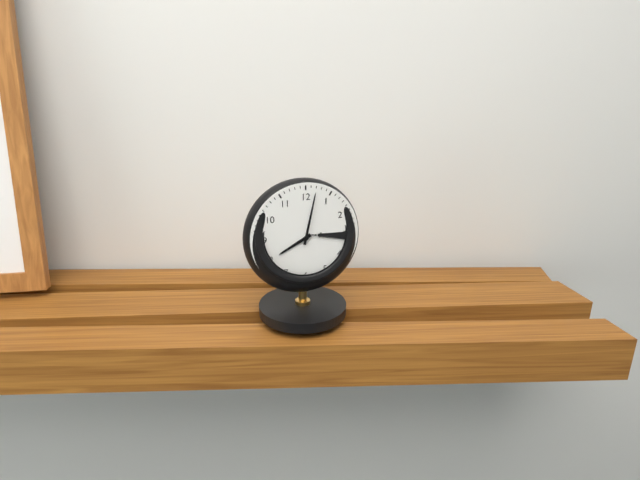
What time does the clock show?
8:02
